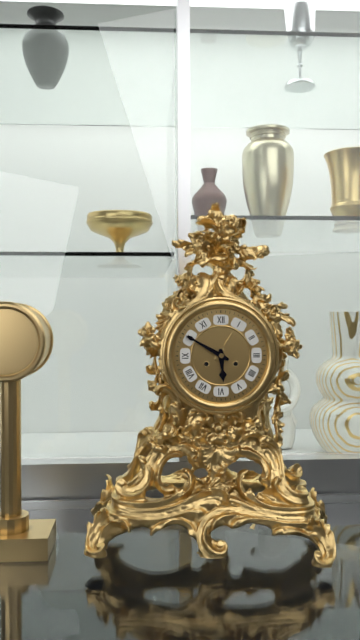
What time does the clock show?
5:50
